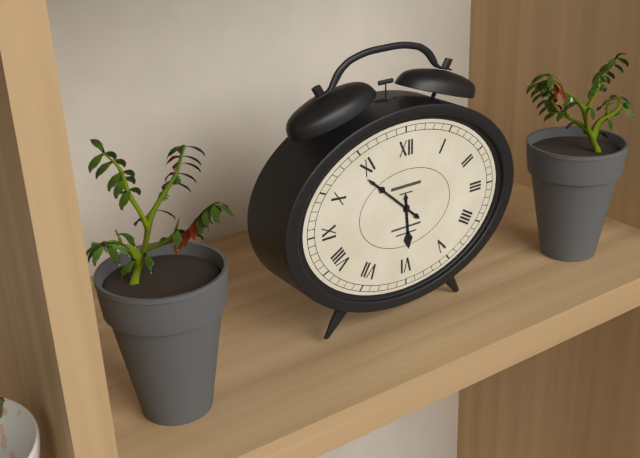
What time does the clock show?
5:52
